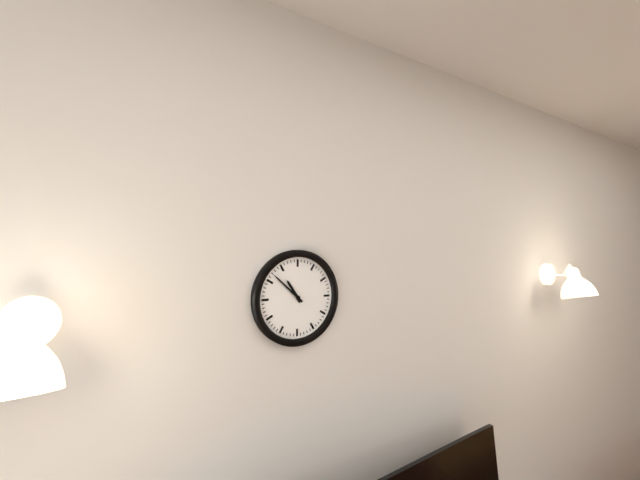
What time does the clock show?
10:52
